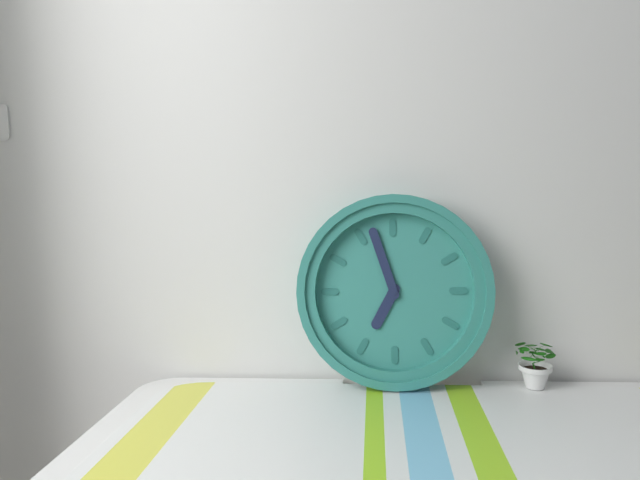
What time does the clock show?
6:57
